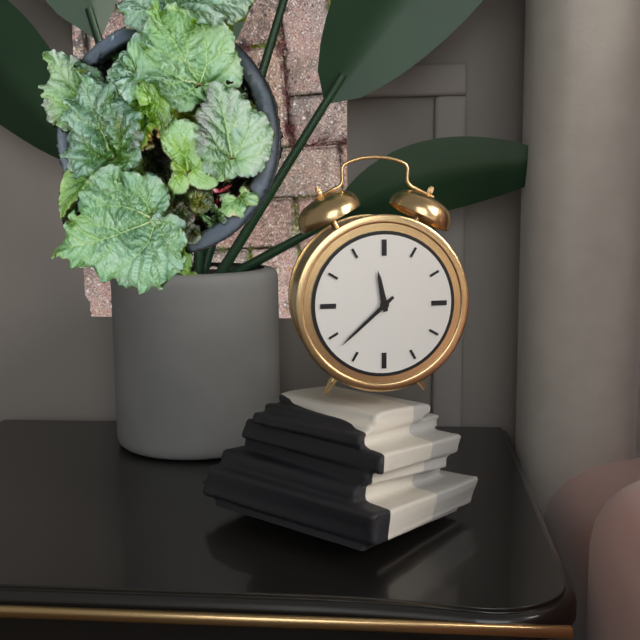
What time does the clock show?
11:38
